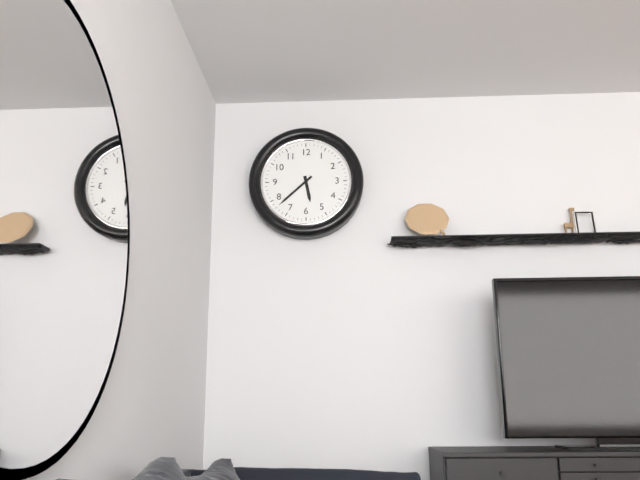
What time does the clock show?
5:38
